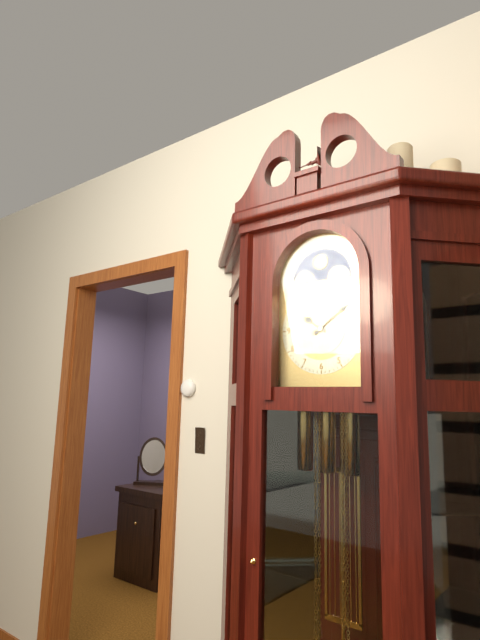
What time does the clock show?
10:09
